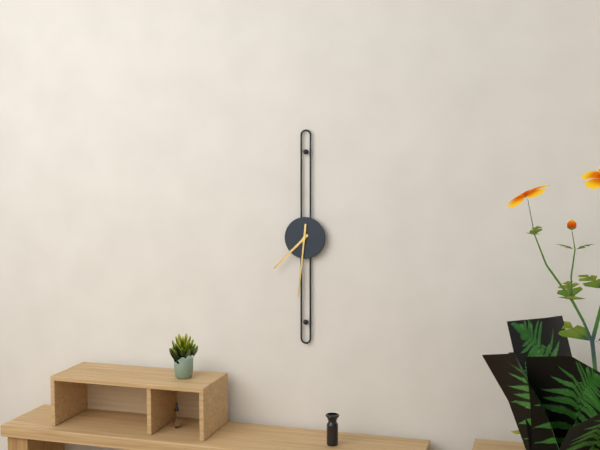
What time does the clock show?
7:31
